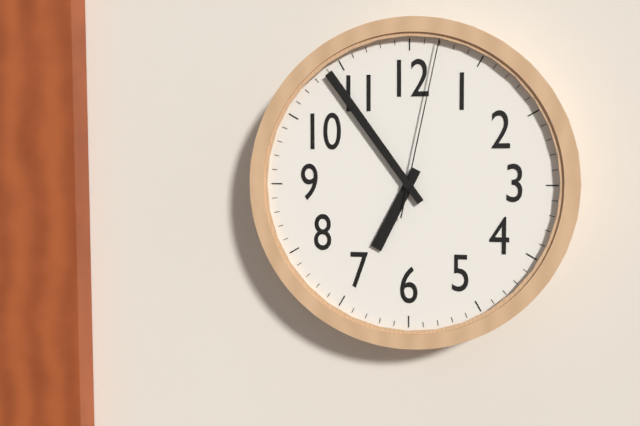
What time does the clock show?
6:54:02
